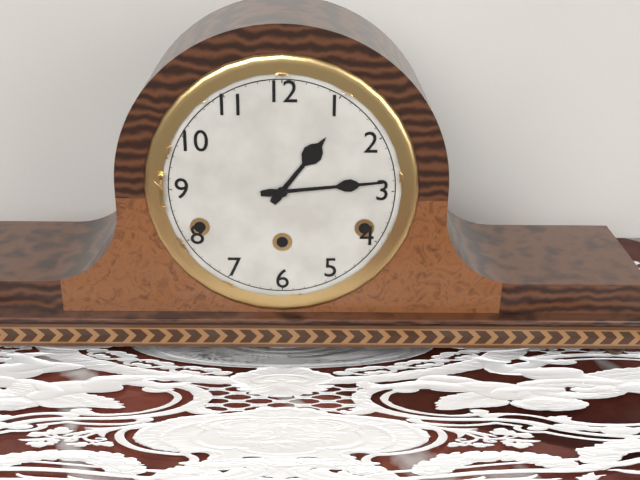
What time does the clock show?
1:14
